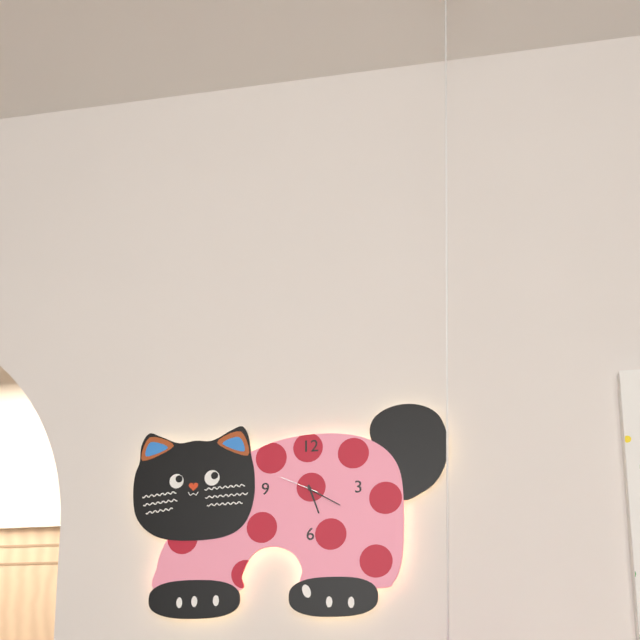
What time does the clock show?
5:20
